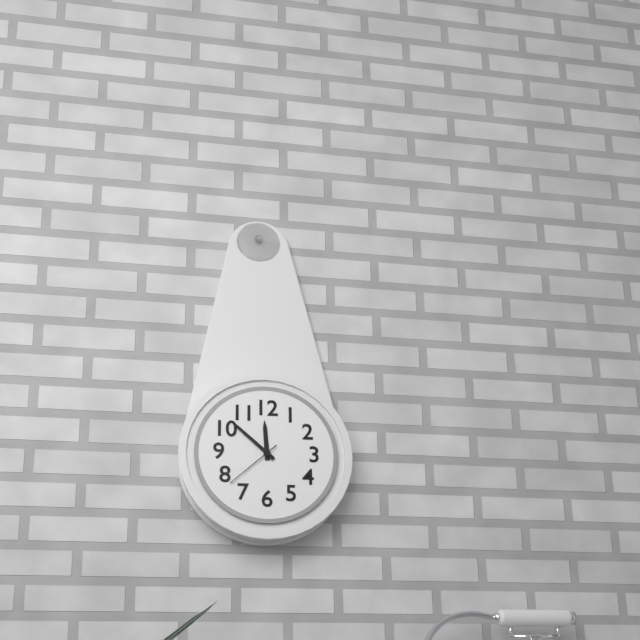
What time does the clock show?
11:52:38
